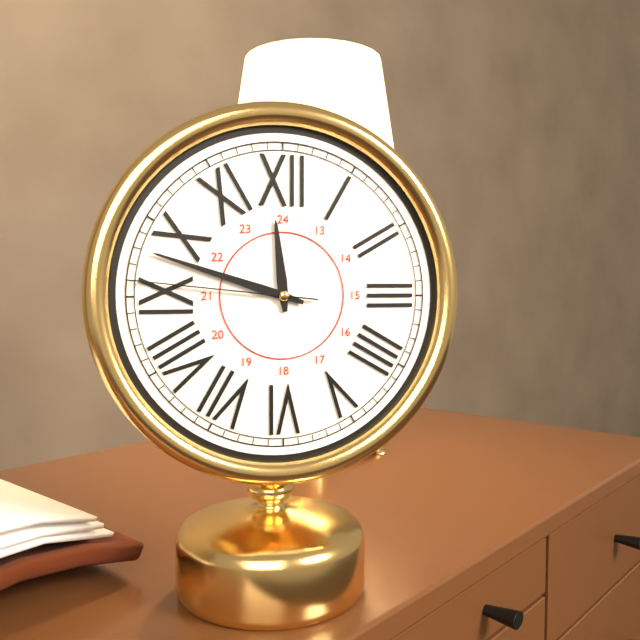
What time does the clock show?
11:48:46
